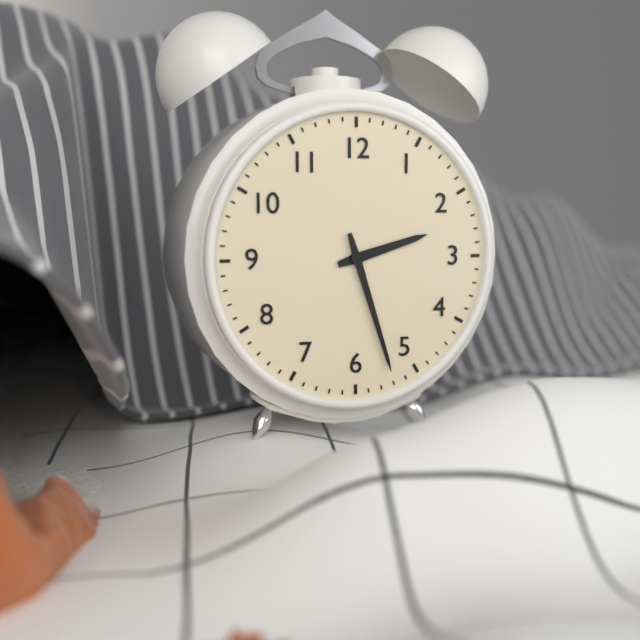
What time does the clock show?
2:27
